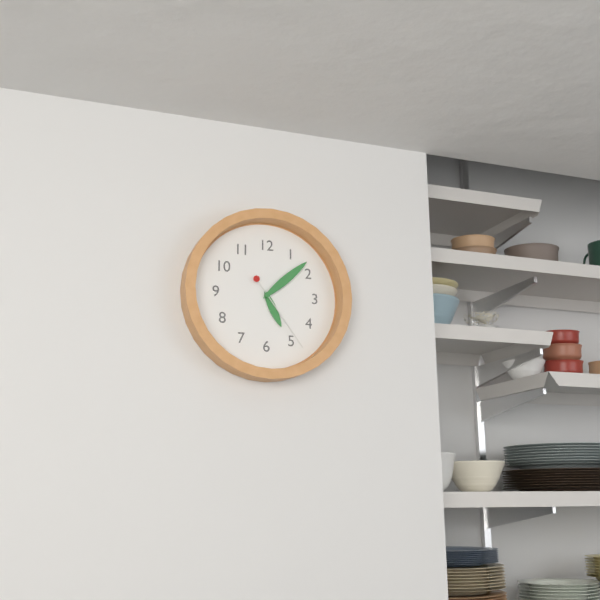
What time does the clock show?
5:08:24
